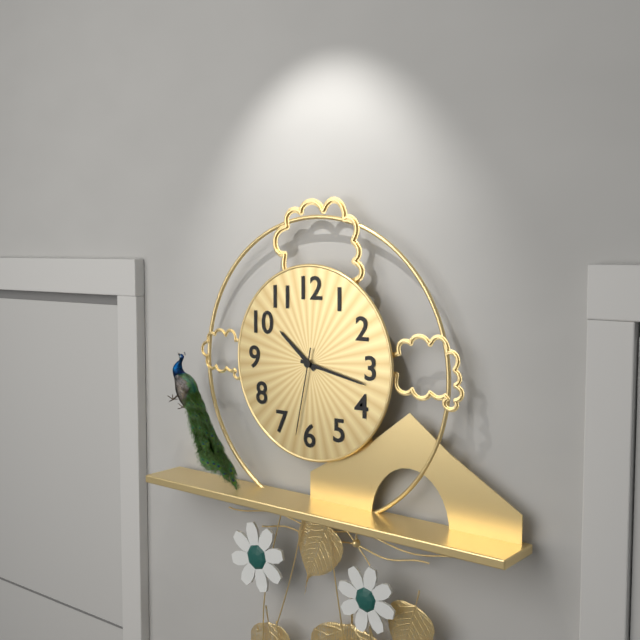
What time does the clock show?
10:17:32
